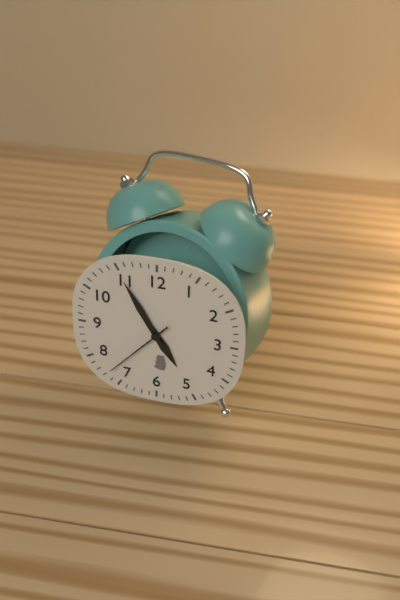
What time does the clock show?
4:55:37
